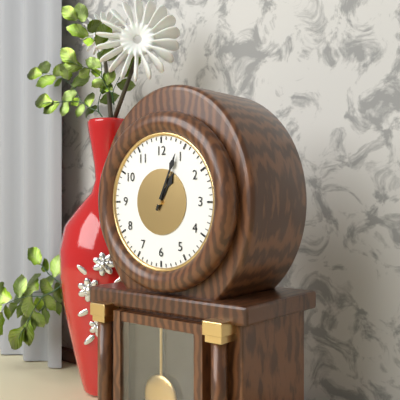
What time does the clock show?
1:04
